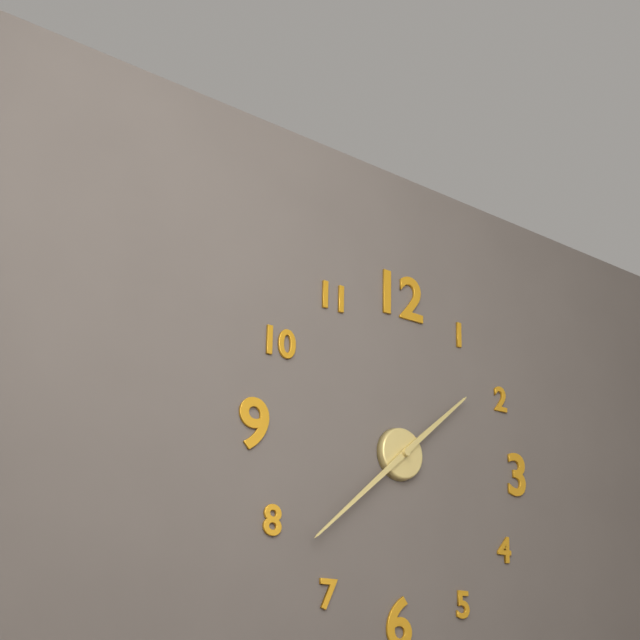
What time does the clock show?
1:38
